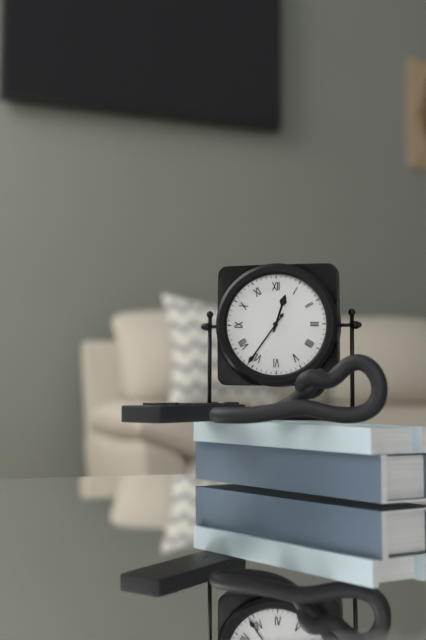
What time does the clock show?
12:36
